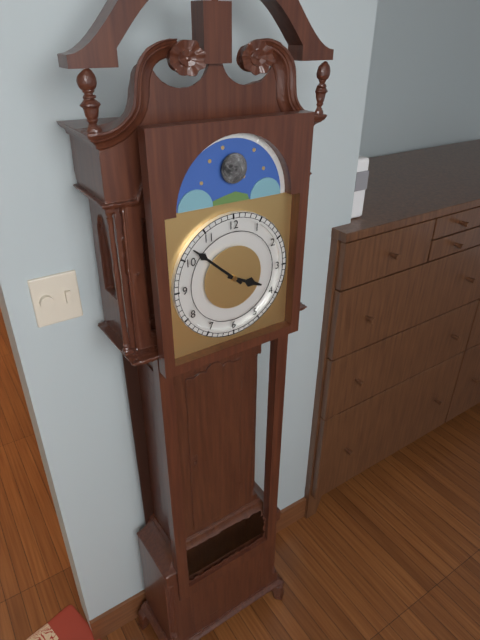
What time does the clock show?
3:52
